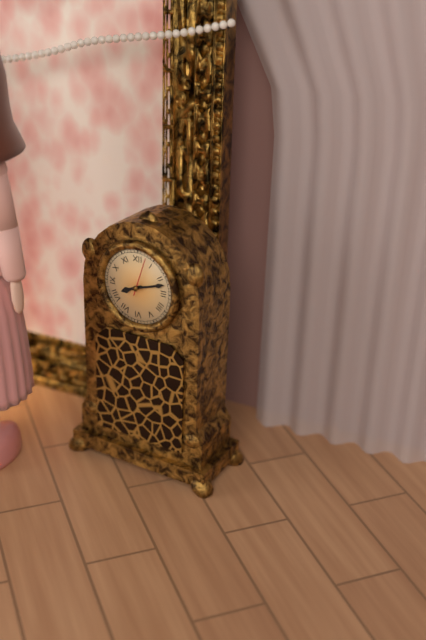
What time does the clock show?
8:12
